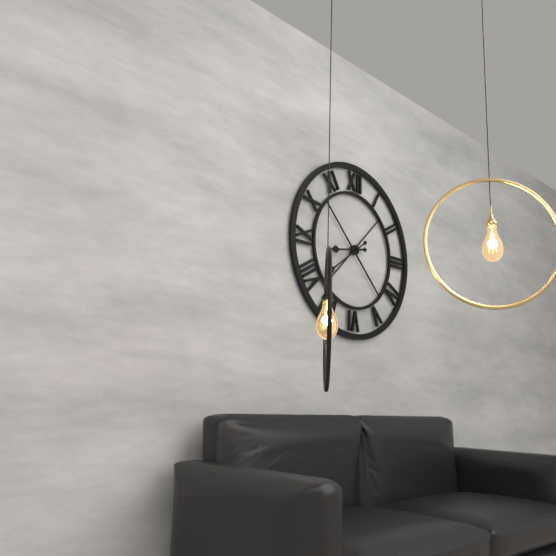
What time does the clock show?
8:39
